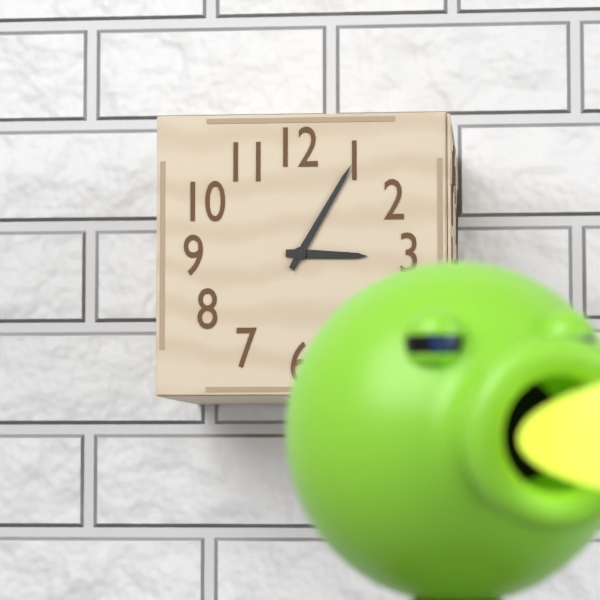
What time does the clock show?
3:05
